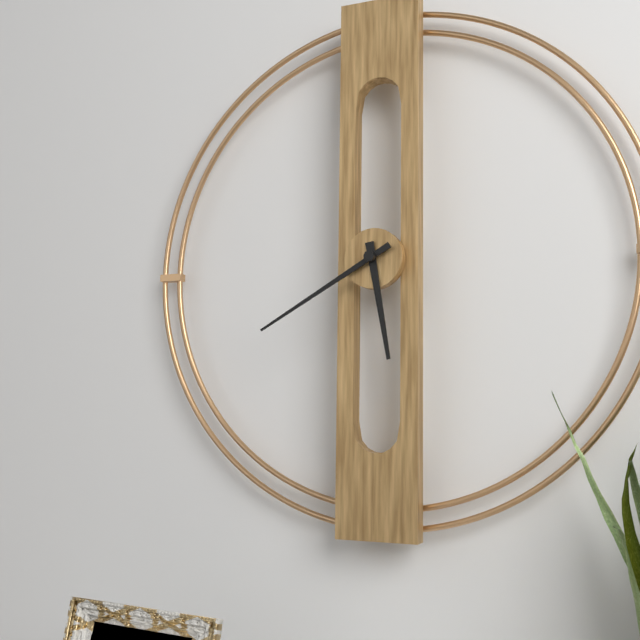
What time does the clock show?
5:40
